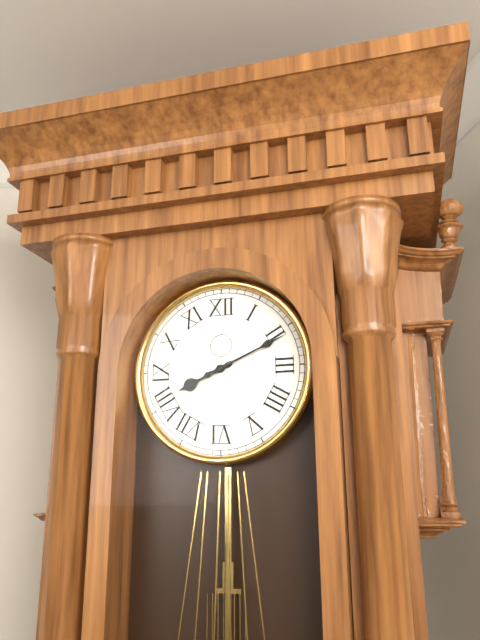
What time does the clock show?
8:11
